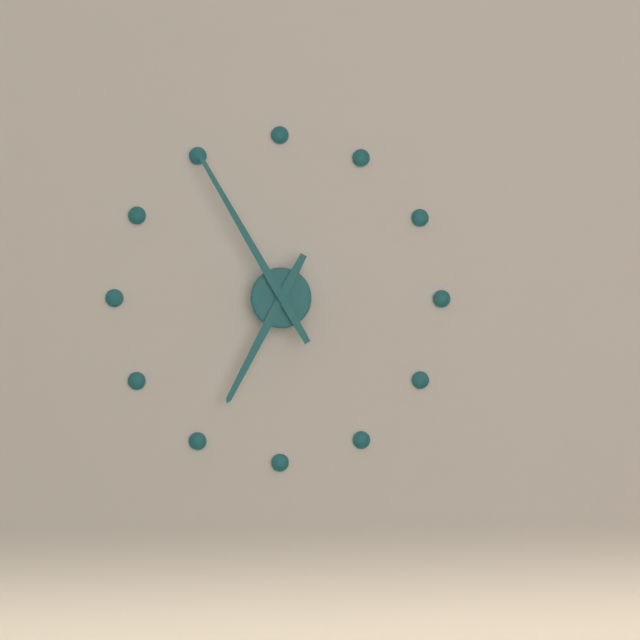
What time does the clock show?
6:55
